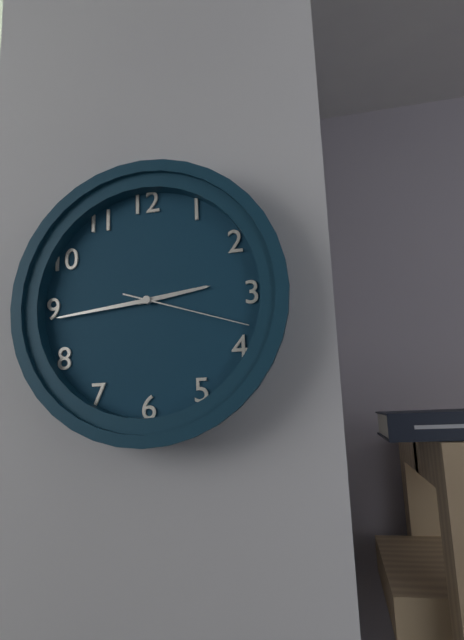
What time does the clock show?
2:44:18
